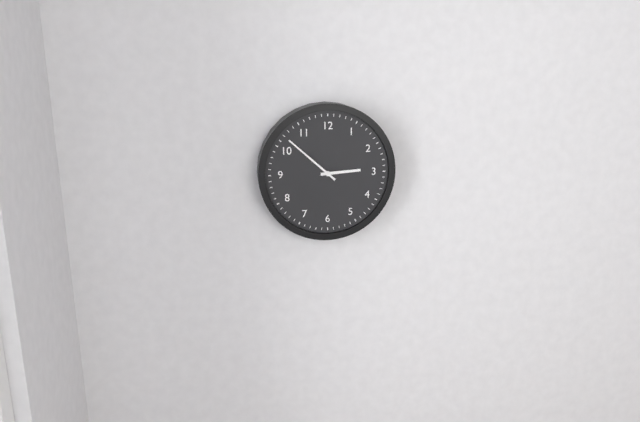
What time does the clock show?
2:52
